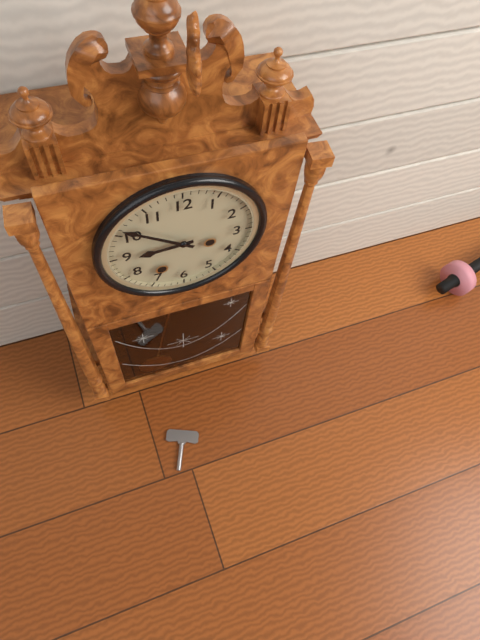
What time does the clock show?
8:51
